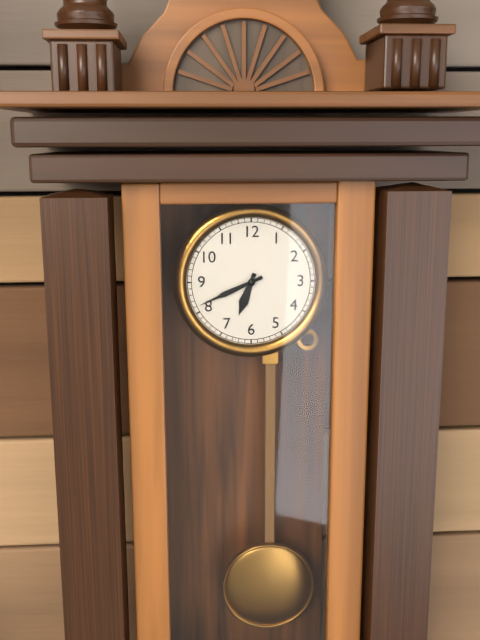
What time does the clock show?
6:41
